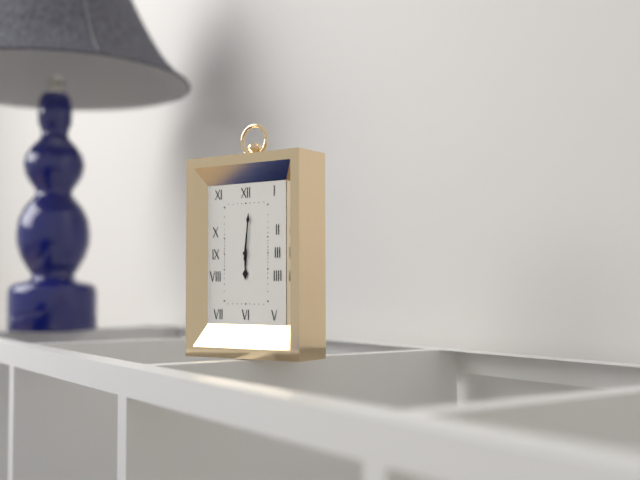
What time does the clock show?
6:01
